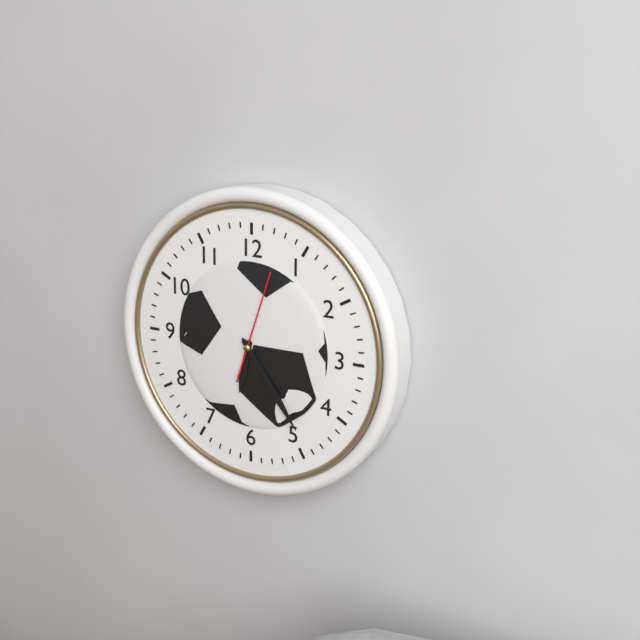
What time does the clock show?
6:24:03
